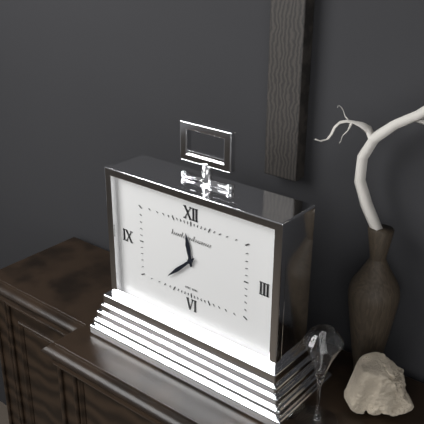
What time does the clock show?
11:38
